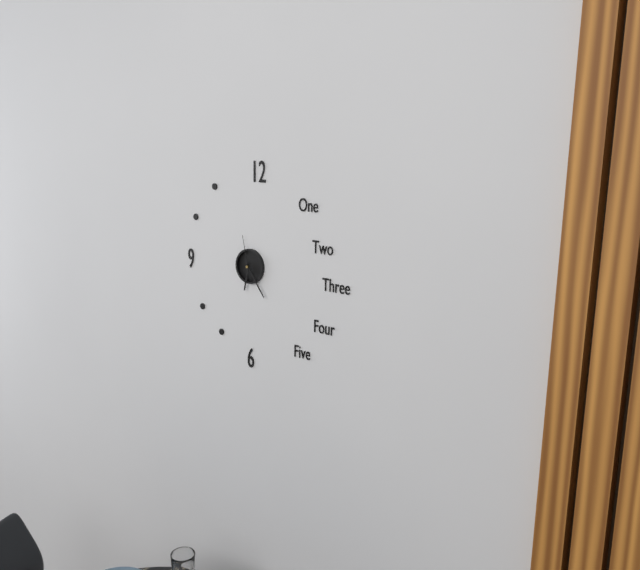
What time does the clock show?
6:24
